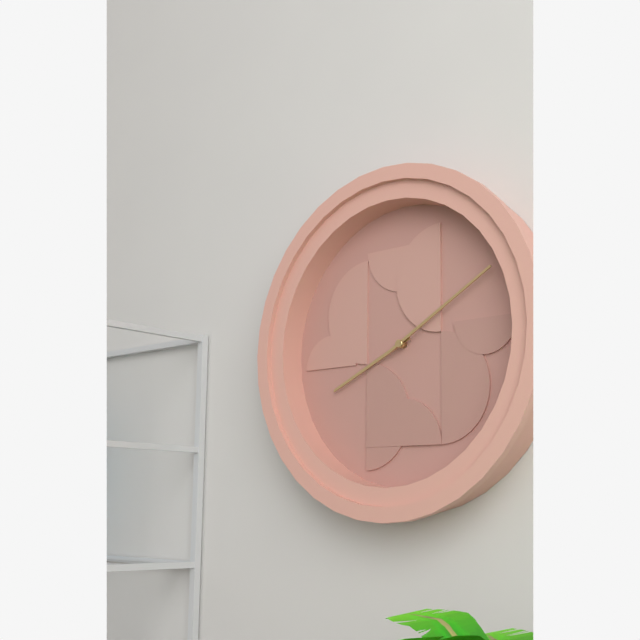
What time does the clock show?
8:10
